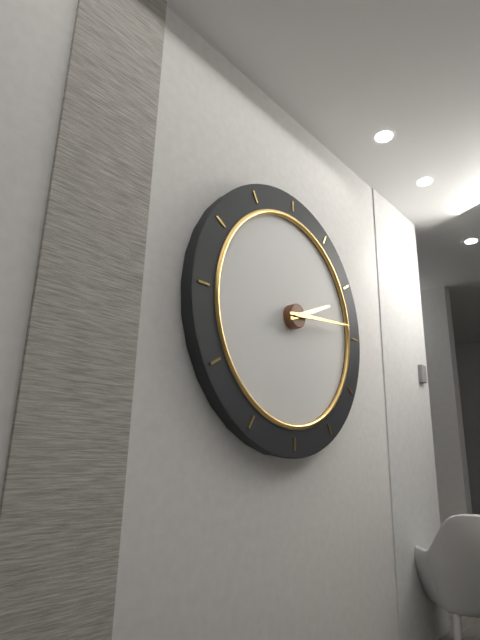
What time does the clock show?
2:14
